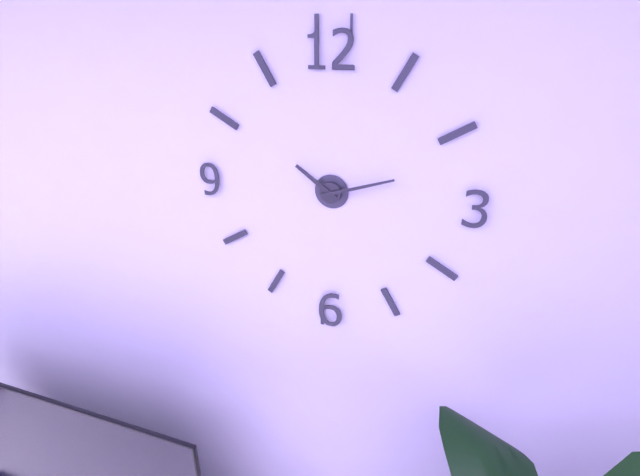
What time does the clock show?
10:12
